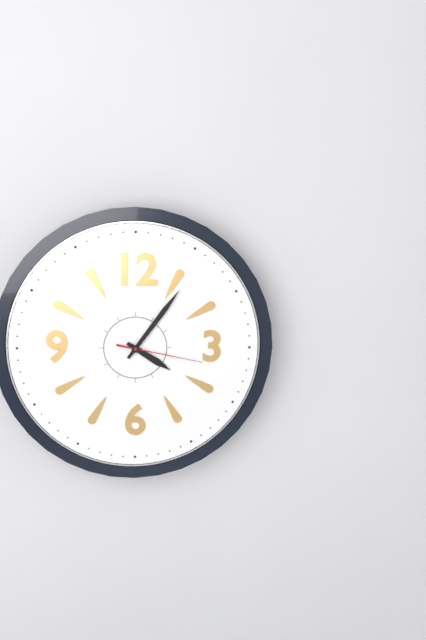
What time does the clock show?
4:06:17
